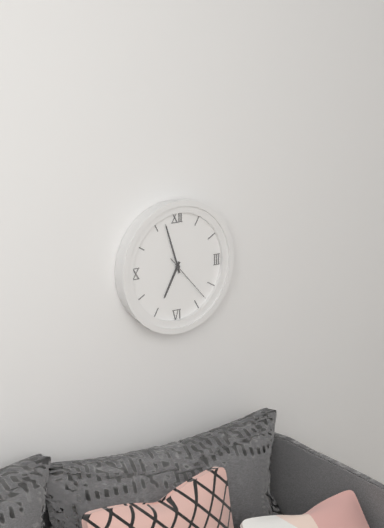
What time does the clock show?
6:57:23
